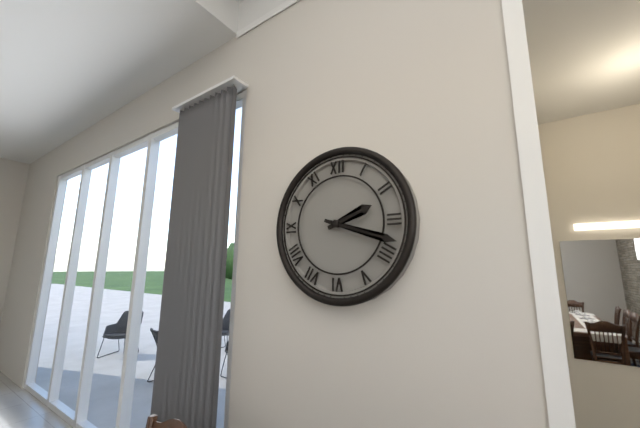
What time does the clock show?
2:18
